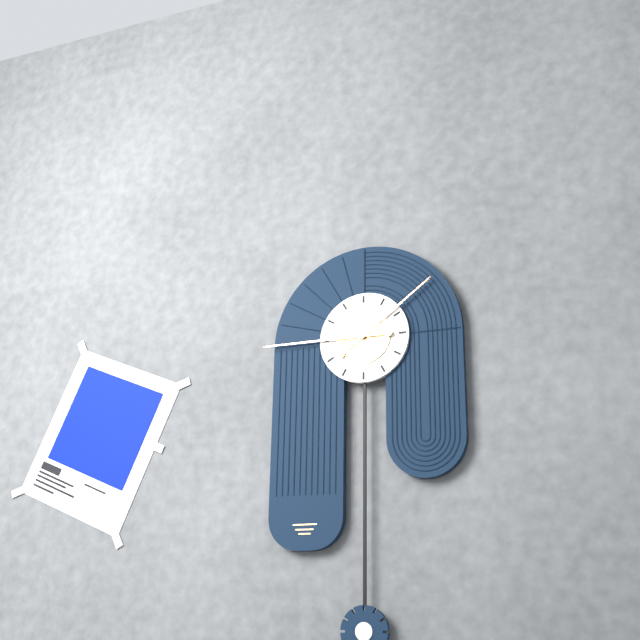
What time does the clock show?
1:45
